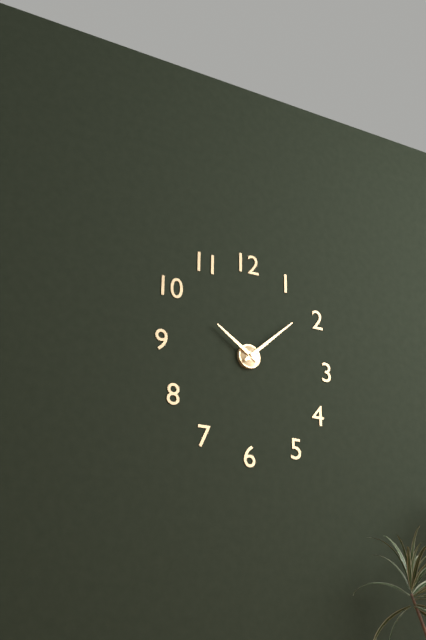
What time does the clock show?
10:08
